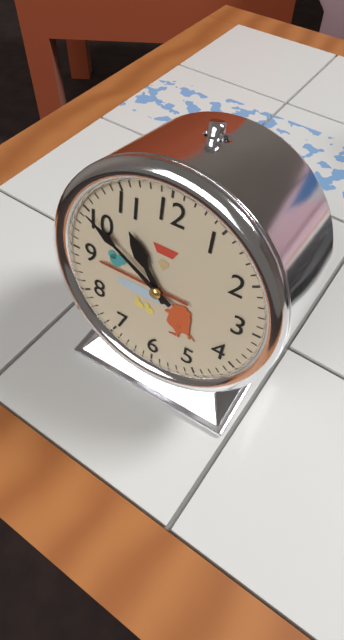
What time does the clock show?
10:50
